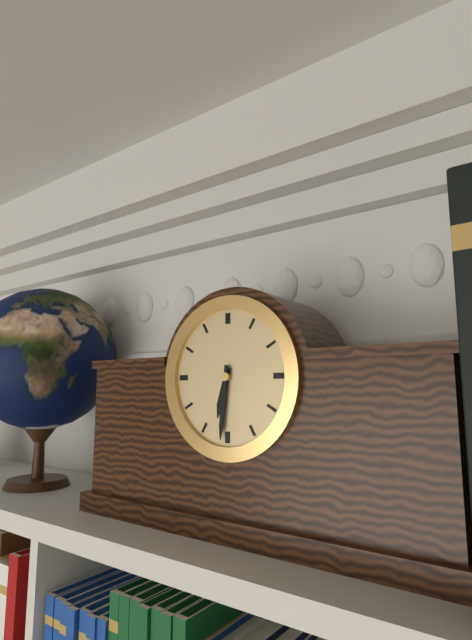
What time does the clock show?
6:31
